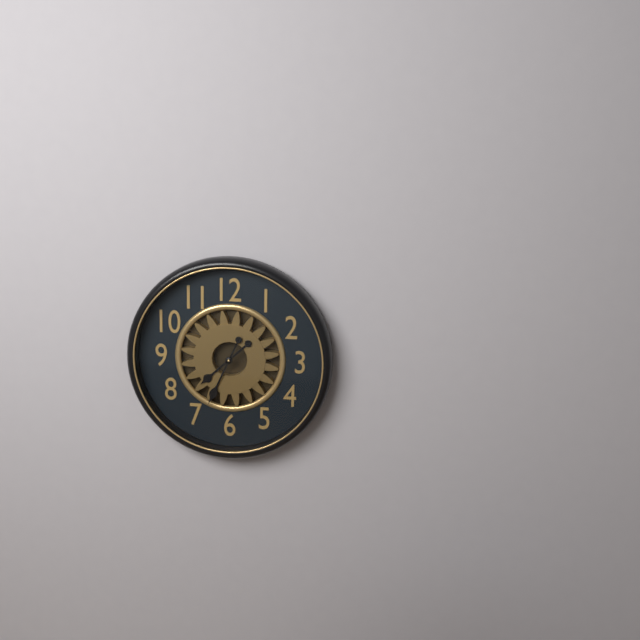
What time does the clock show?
7:34
